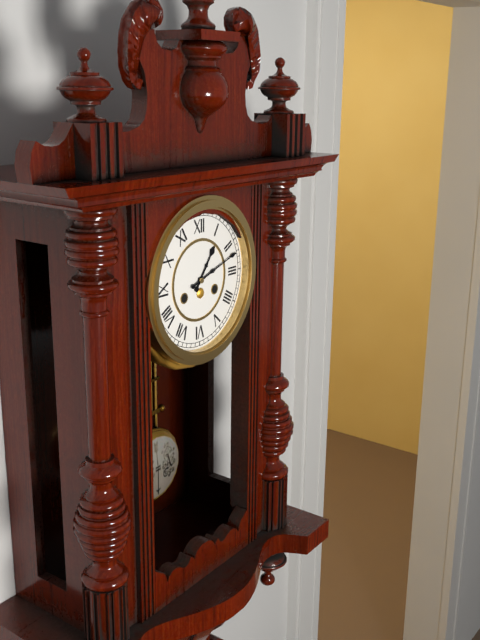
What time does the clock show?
1:12
